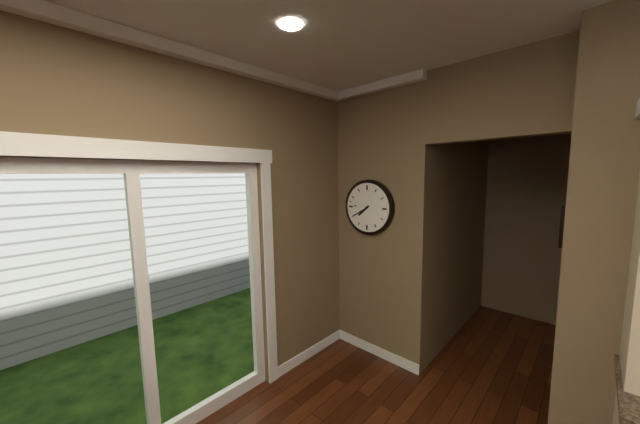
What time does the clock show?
7:40
